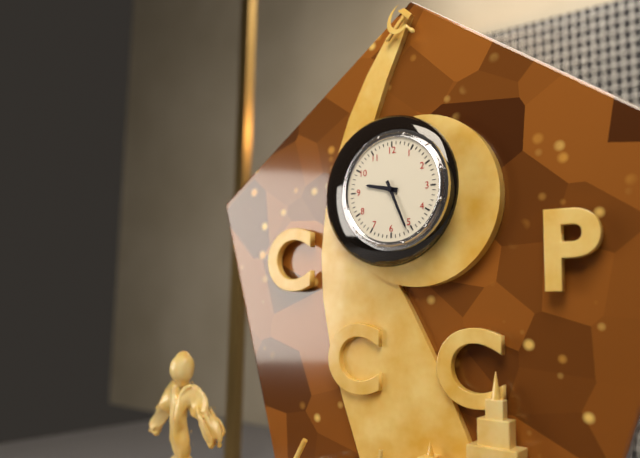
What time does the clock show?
9:26
